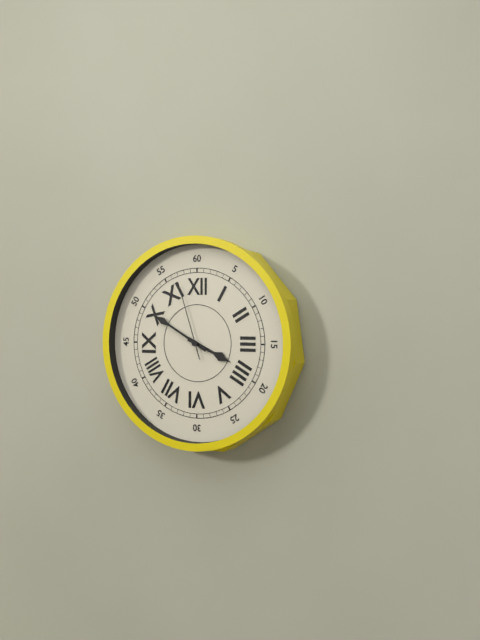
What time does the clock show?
3:50:57
